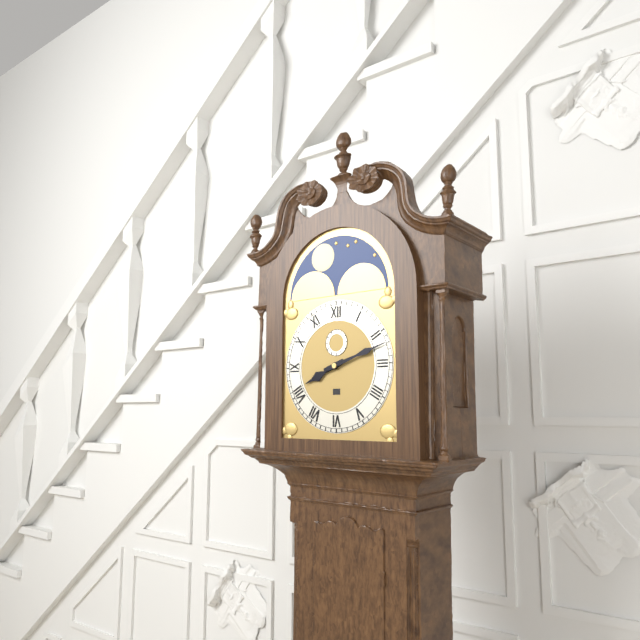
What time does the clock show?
8:12
